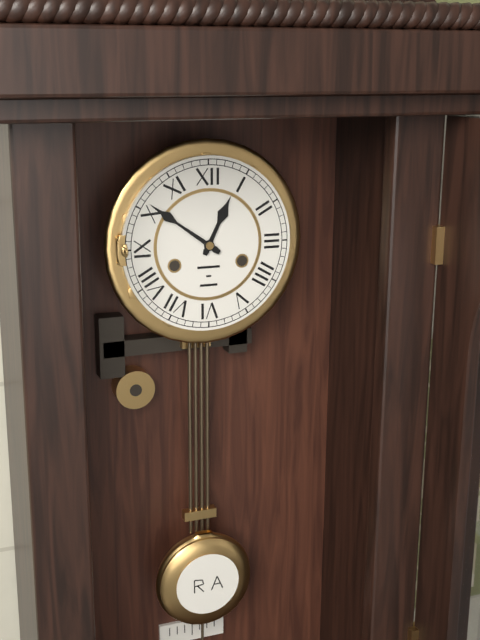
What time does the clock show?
12:51
